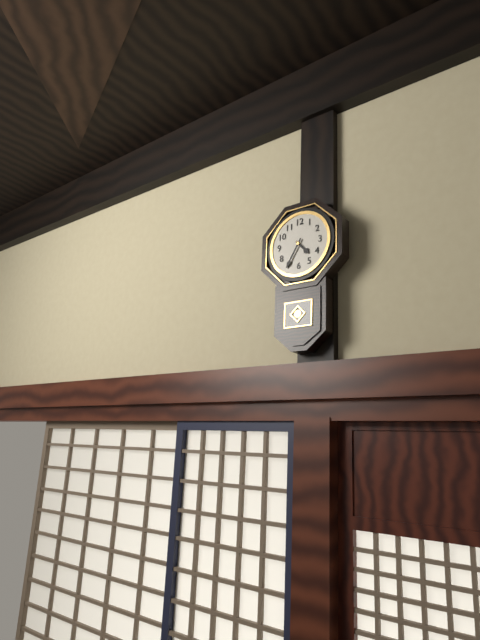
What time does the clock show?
4:35
